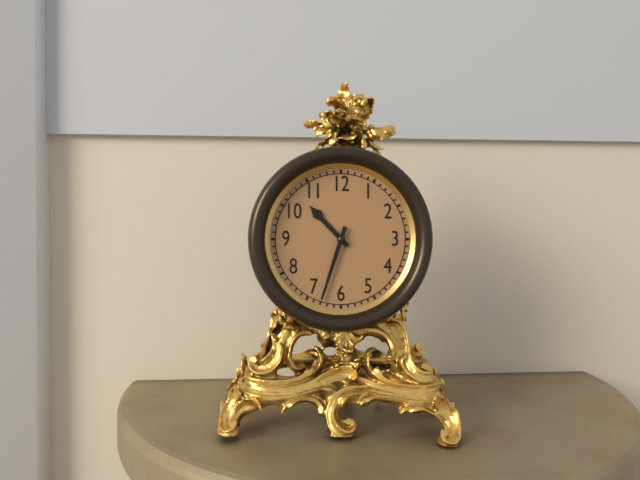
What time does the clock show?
10:33
